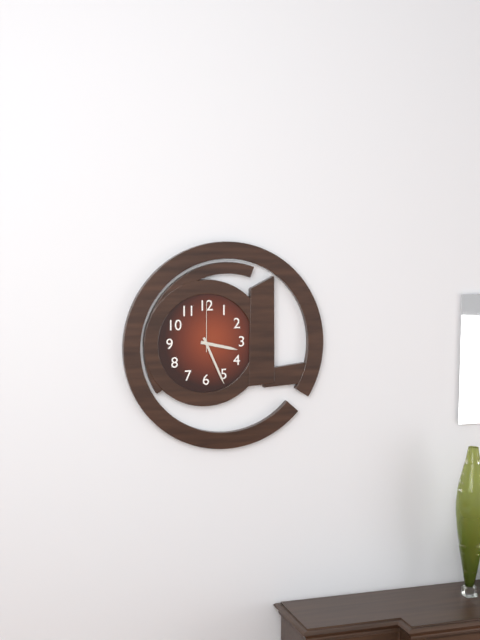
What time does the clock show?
3:26:00
